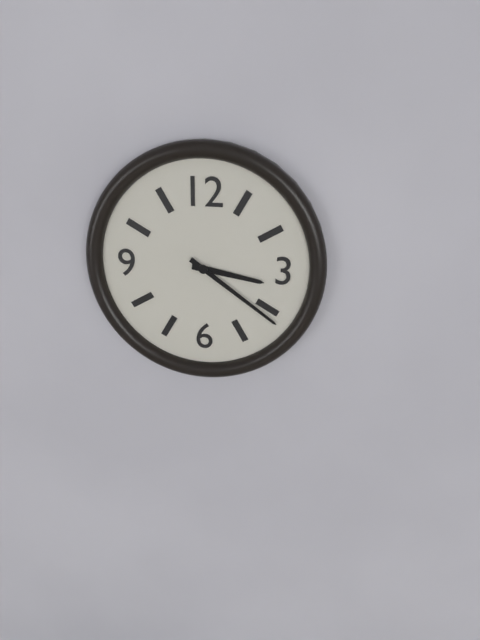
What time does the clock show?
3:21
